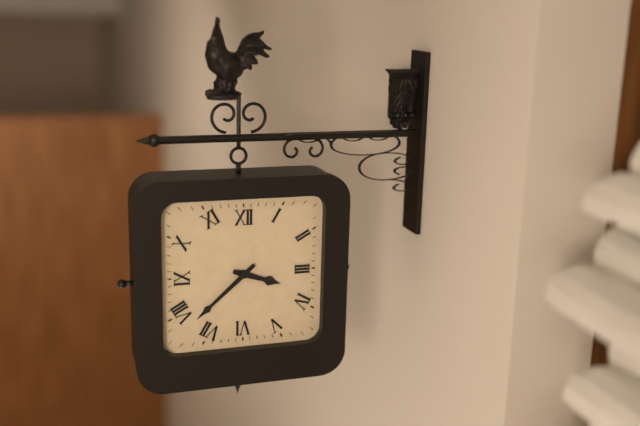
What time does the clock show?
3:38
